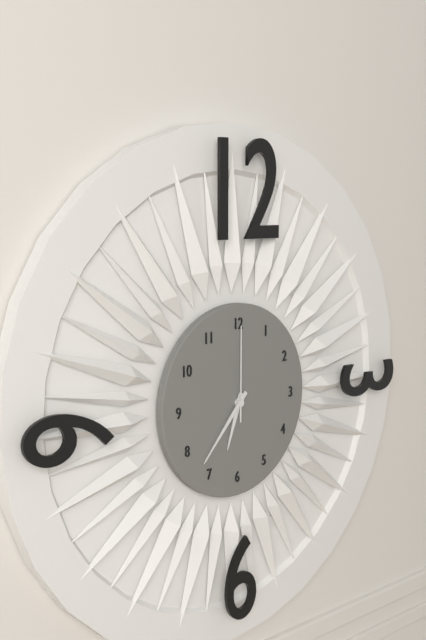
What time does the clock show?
6:37:00
